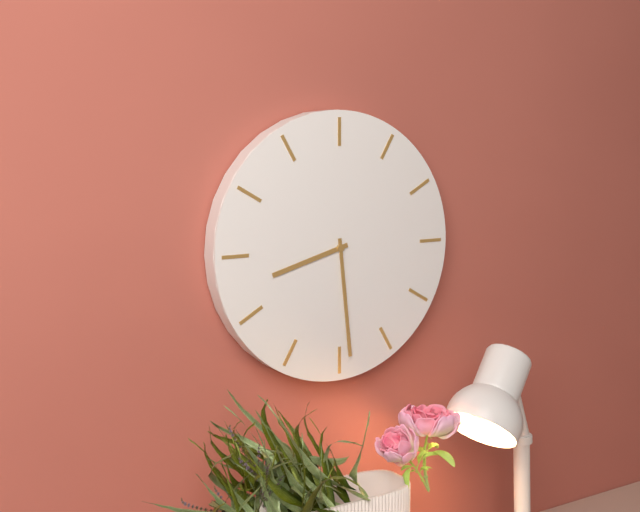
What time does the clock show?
8:29
